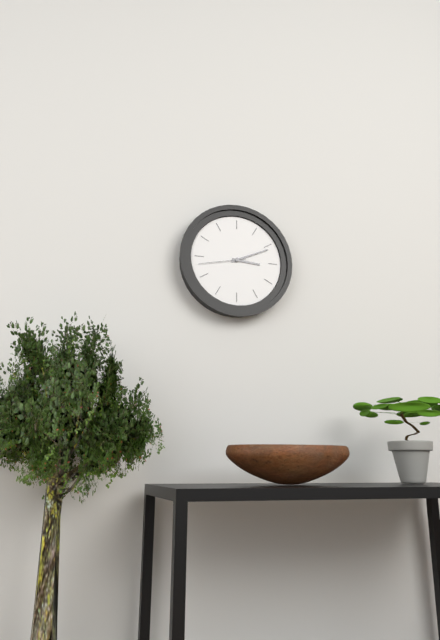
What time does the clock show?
3:11
